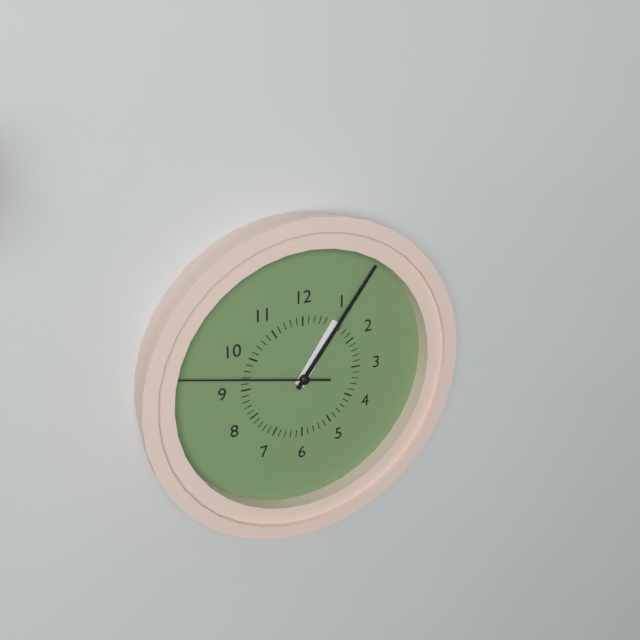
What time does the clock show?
1:06:47
